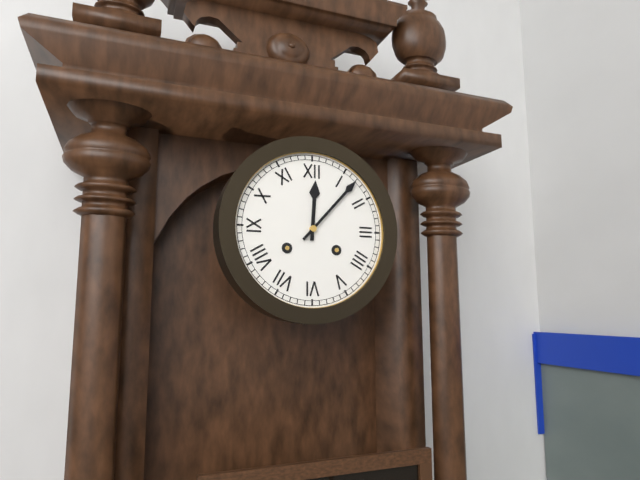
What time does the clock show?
12:07
